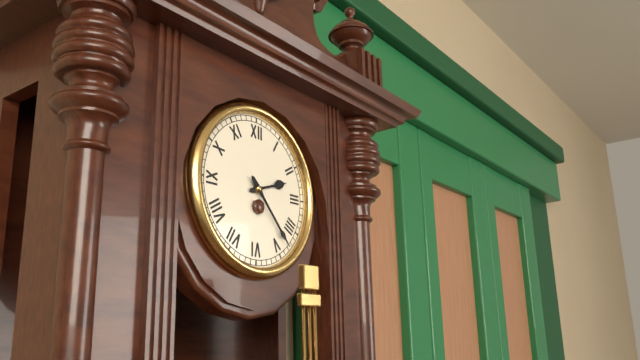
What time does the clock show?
2:23
